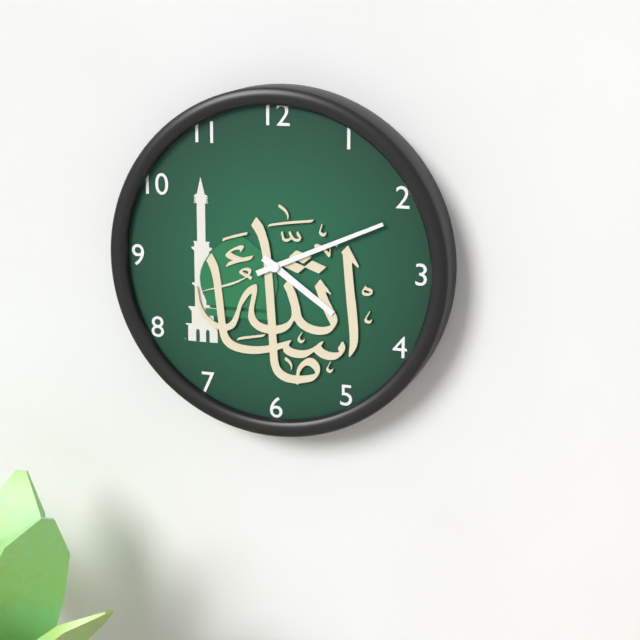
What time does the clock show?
4:11
